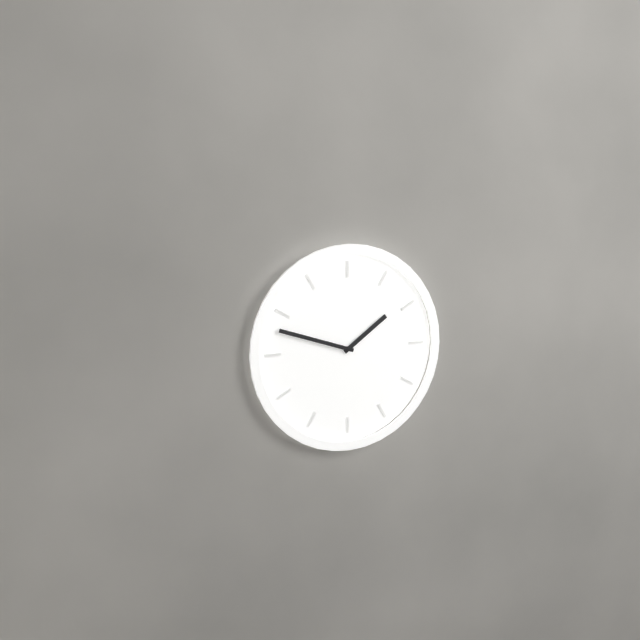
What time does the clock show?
1:48
